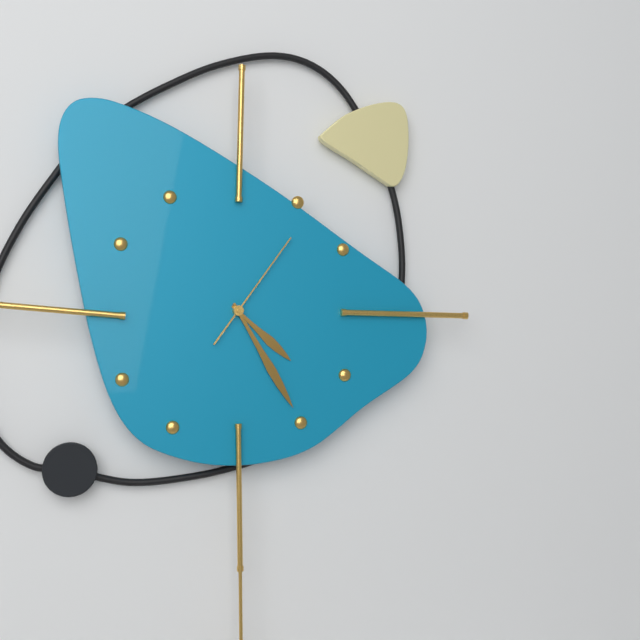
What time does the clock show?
4:25:06
